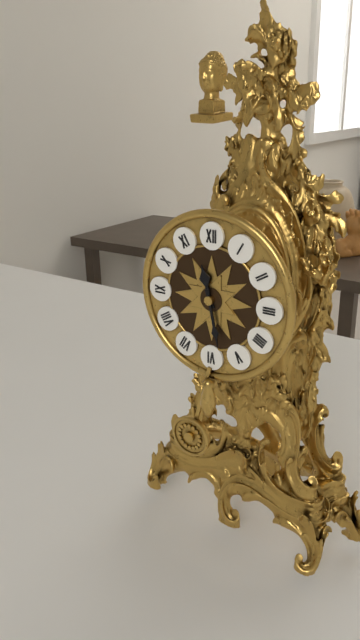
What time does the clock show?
11:28
